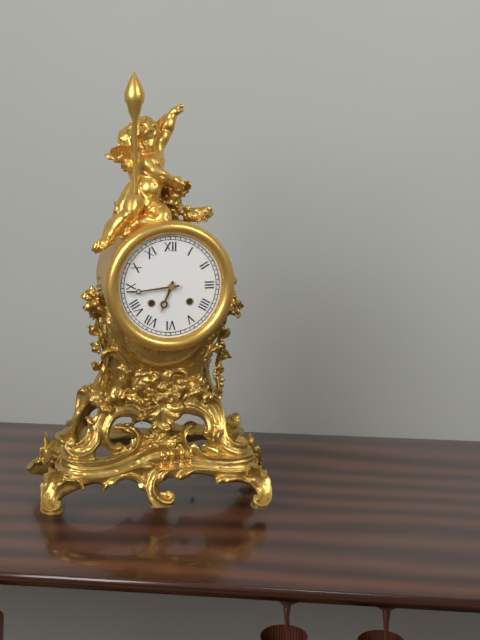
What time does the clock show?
6:44
